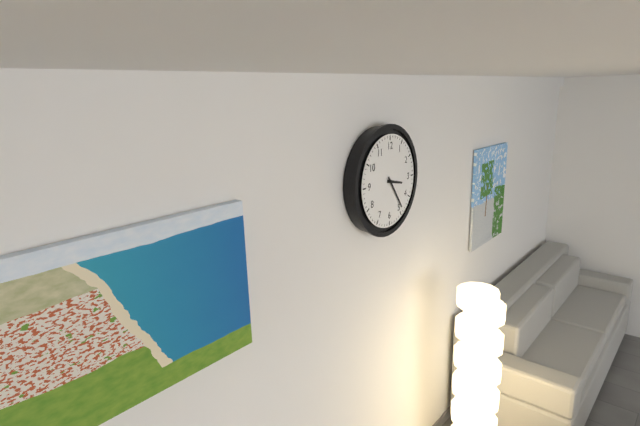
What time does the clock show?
3:24
